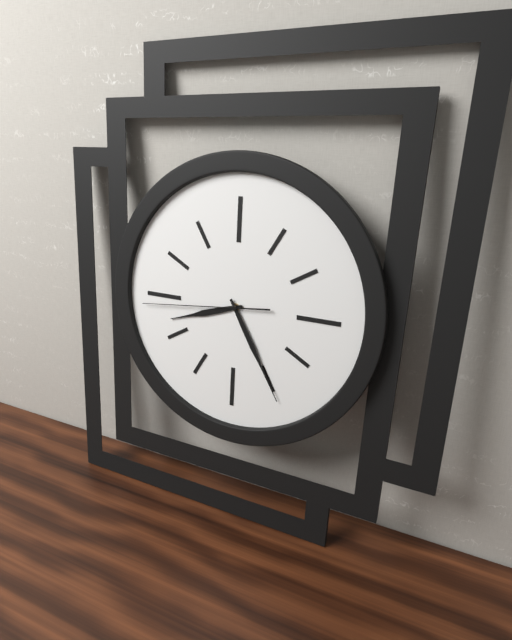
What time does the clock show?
8:25:44
